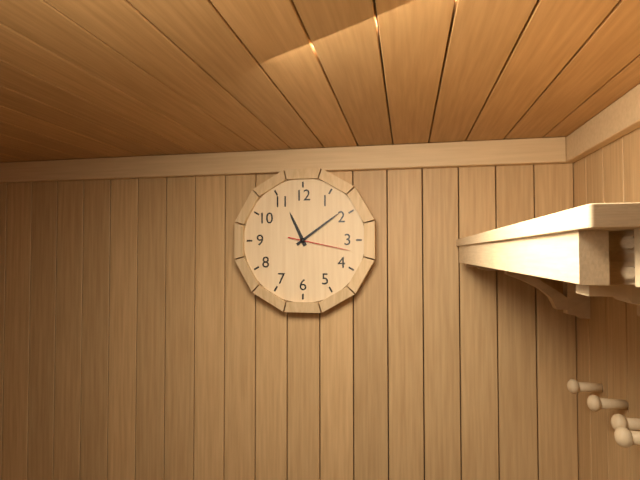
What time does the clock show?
11:09:17
